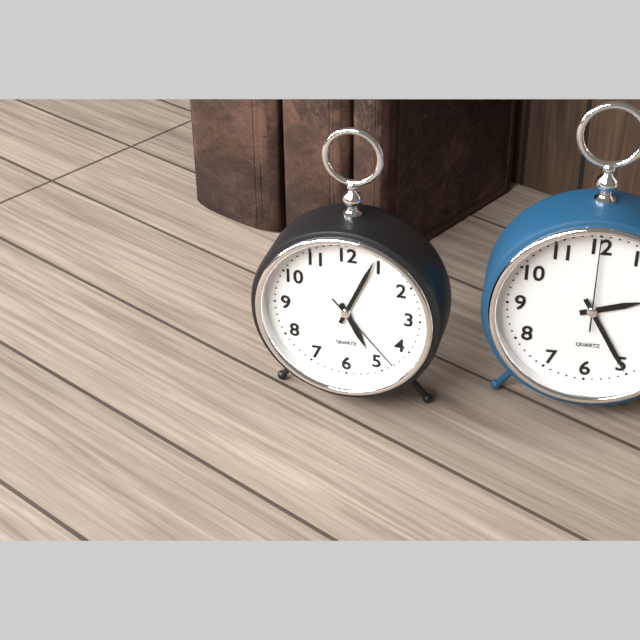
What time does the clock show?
5:04:23
